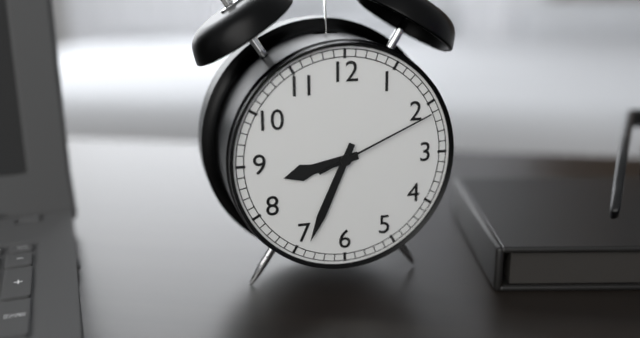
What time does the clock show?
8:34:11
